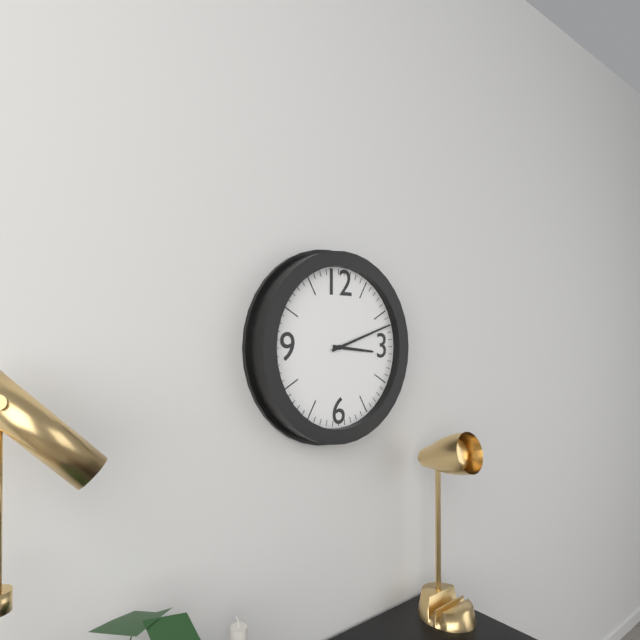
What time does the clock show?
3:12
